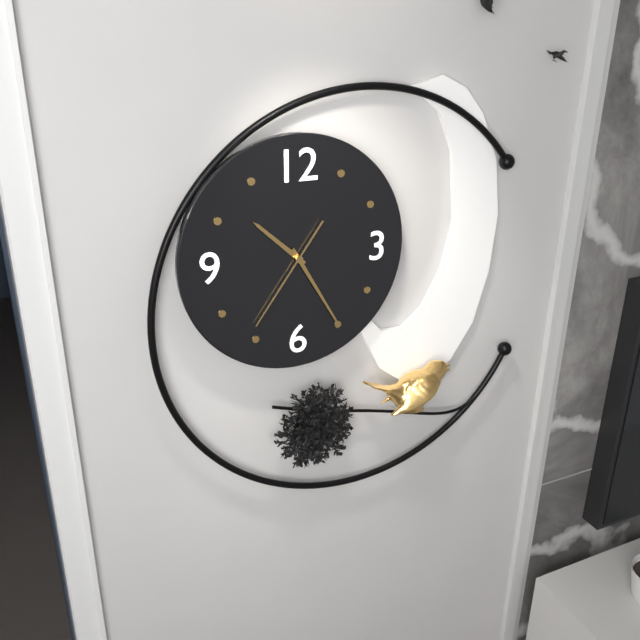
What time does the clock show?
10:25:36
